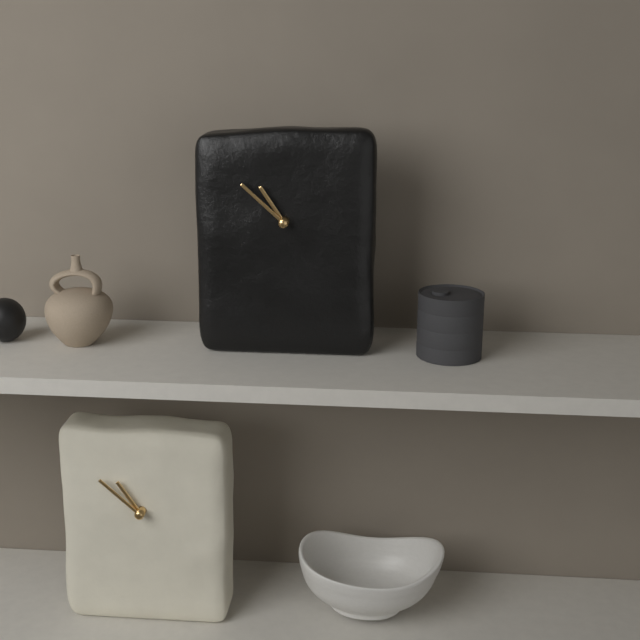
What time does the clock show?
10:52
